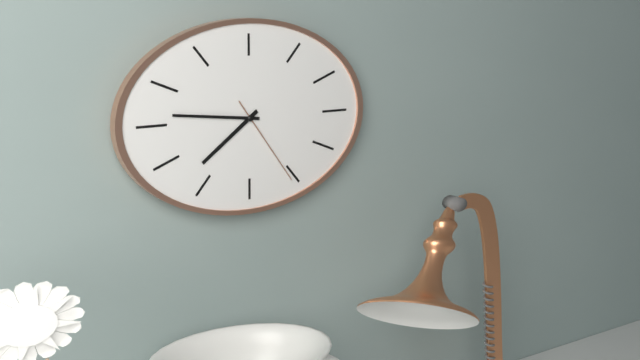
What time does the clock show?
7:46:24
